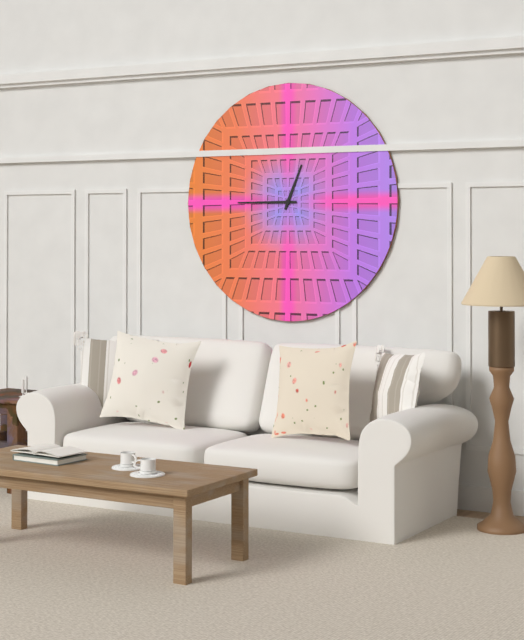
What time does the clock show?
12:45
